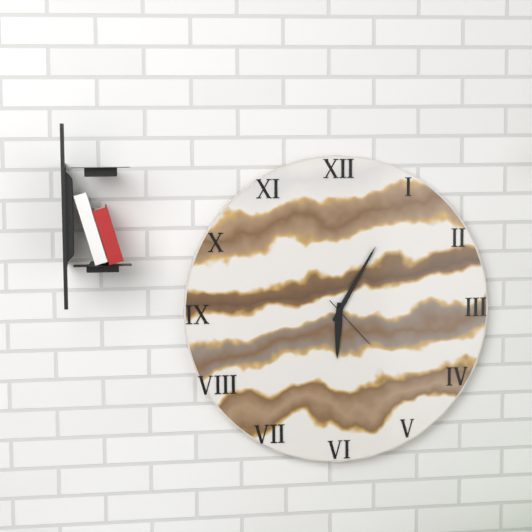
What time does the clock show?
6:05:23
